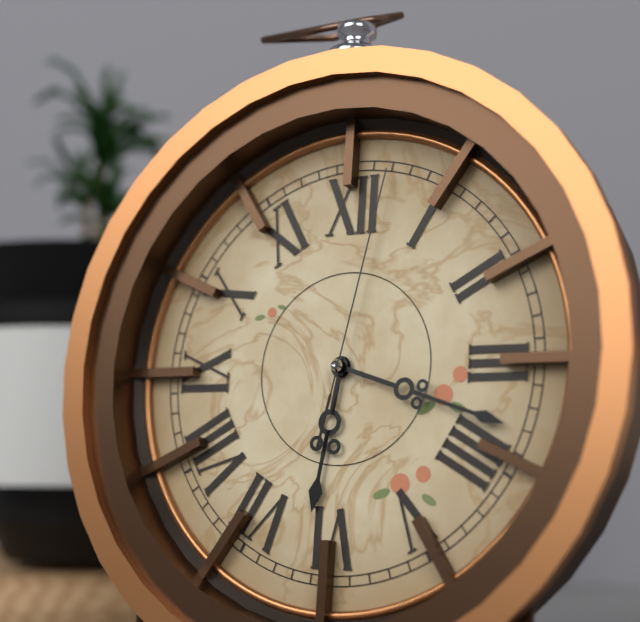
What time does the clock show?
6:18:02
